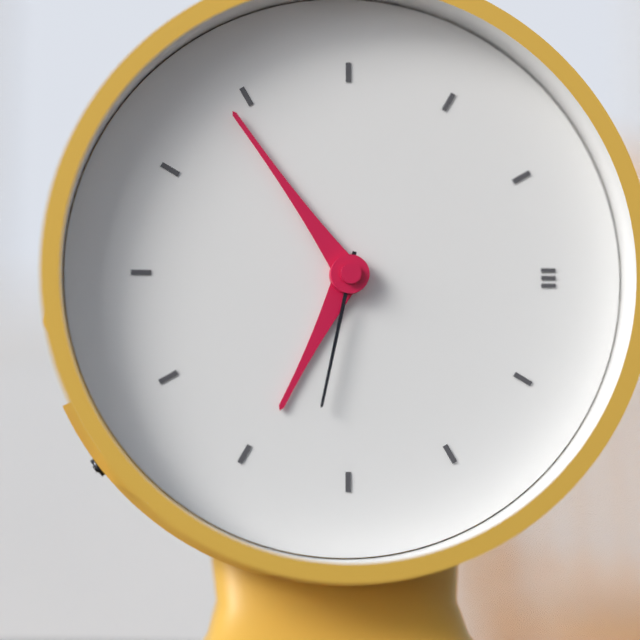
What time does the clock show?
6:54:32
